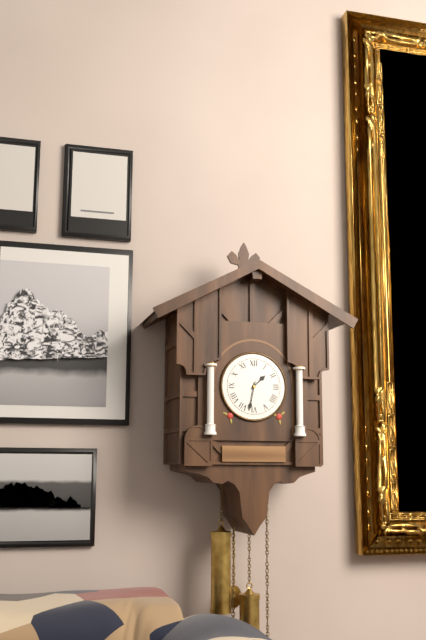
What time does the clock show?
1:32
